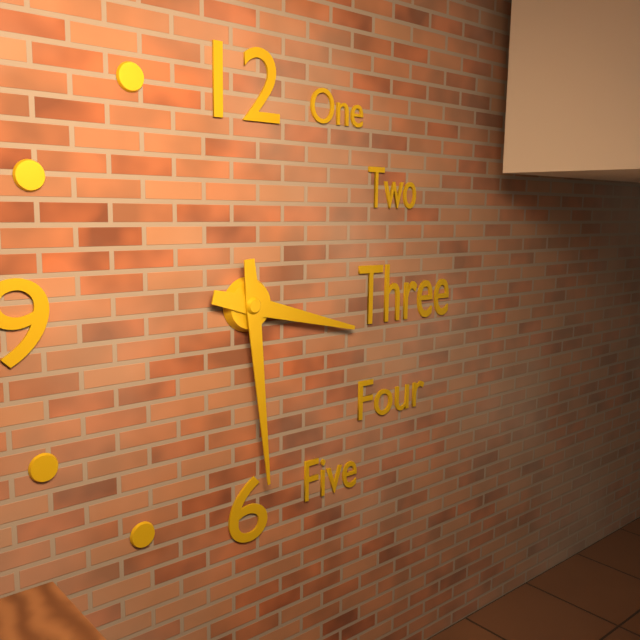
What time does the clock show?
3:29
